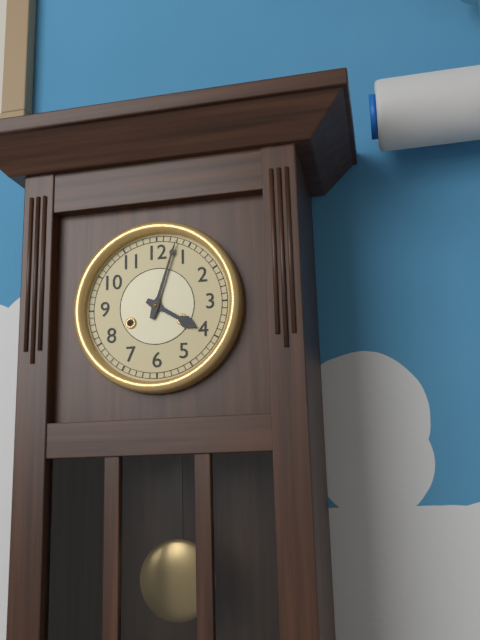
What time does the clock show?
4:03
